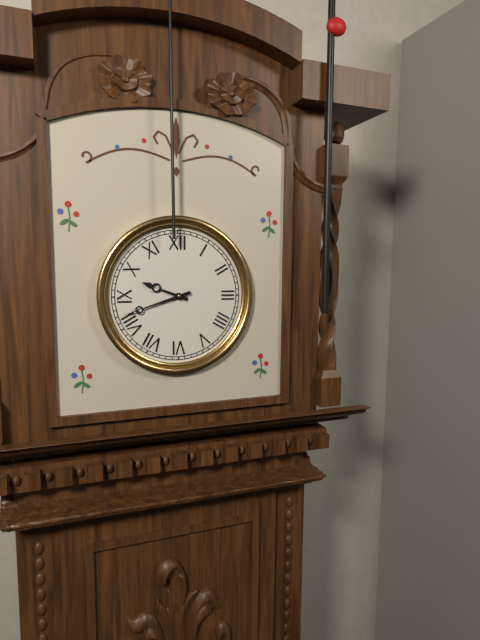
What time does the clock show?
9:42
